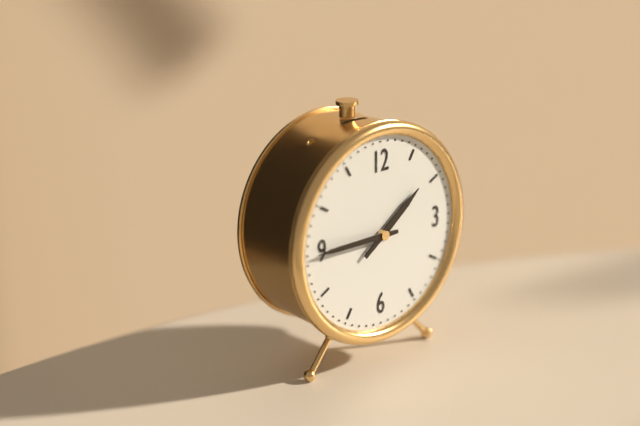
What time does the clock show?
1:45
